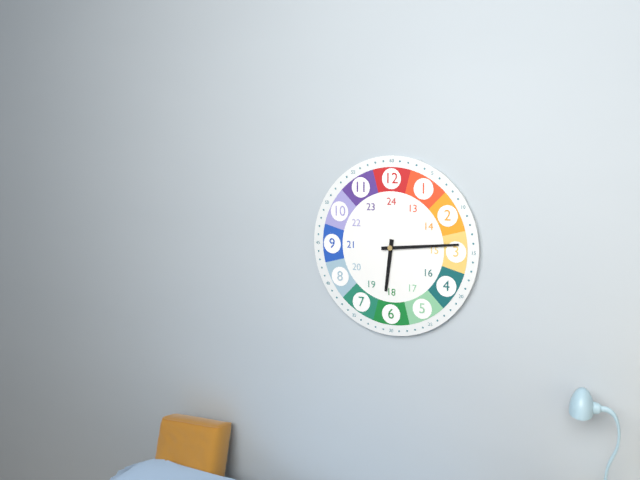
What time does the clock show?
6:14
